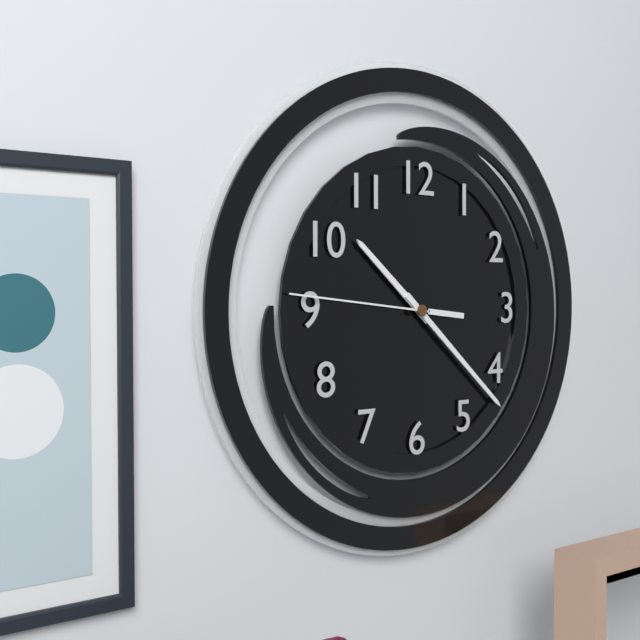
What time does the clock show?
10:22:46
